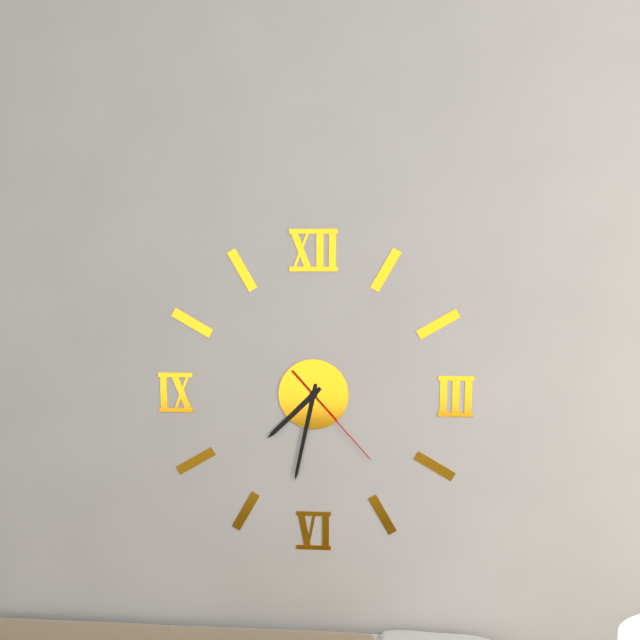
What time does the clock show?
7:32:23
